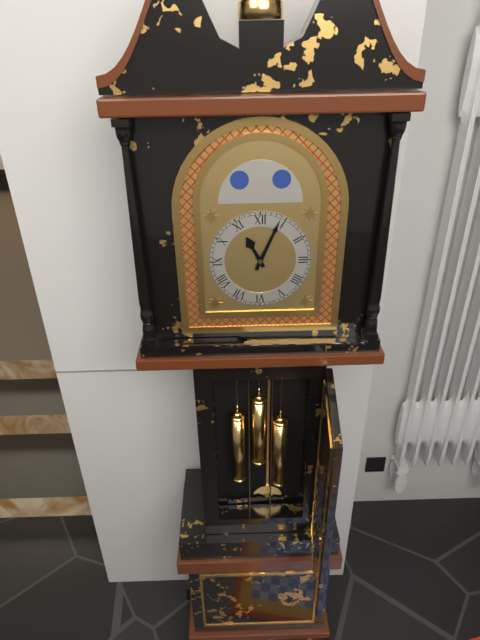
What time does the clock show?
11:04
